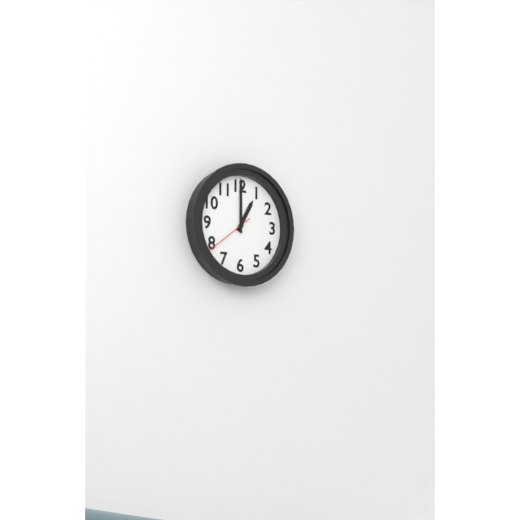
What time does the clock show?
1:00:39
